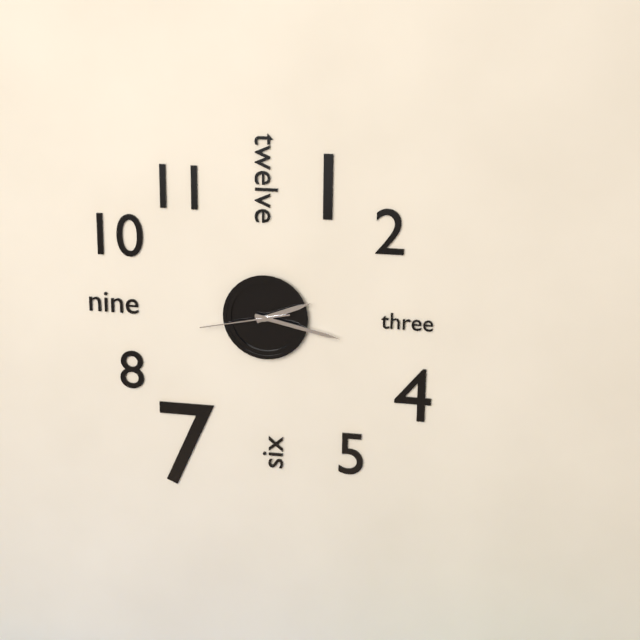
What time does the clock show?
2:17:43
